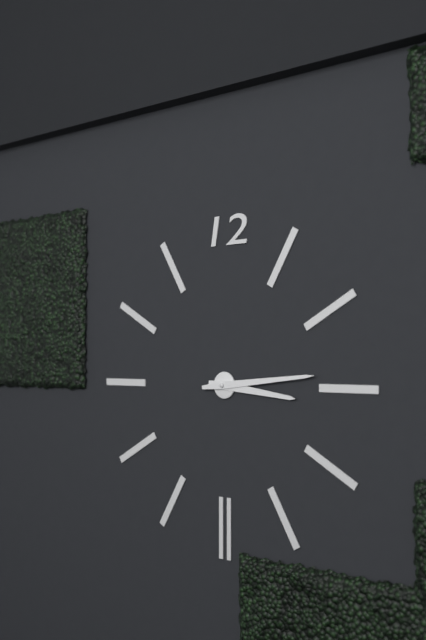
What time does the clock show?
3:14
